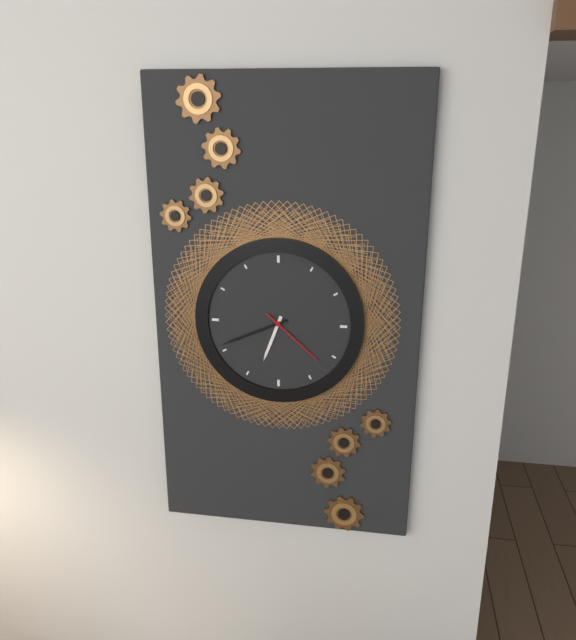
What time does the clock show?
6:41:22
